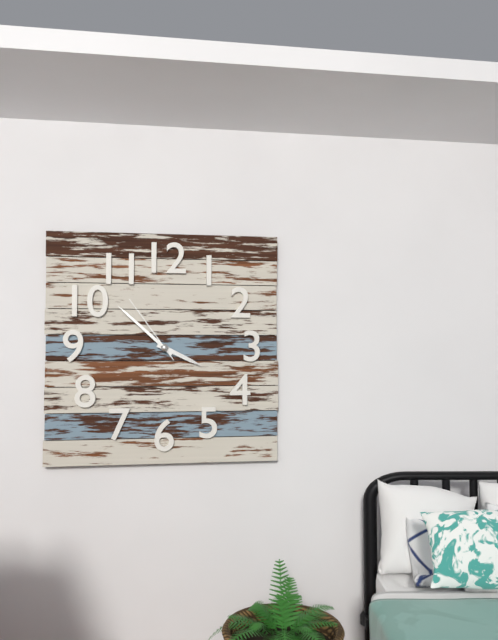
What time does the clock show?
3:52:54
